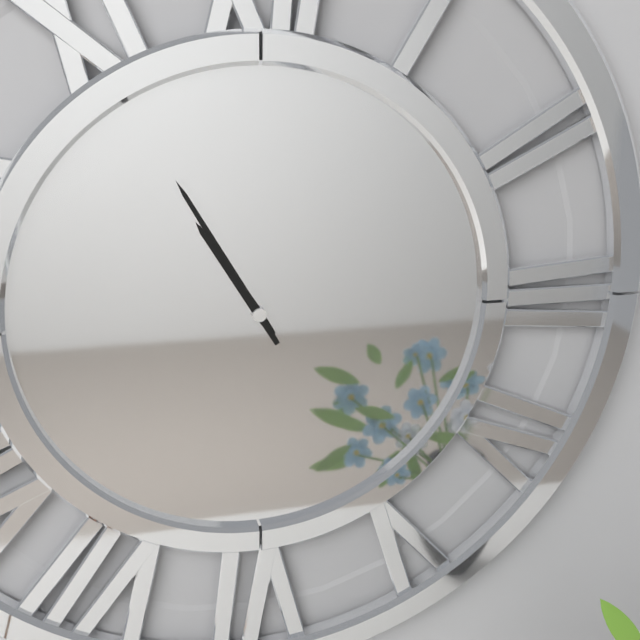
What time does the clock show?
10:55
